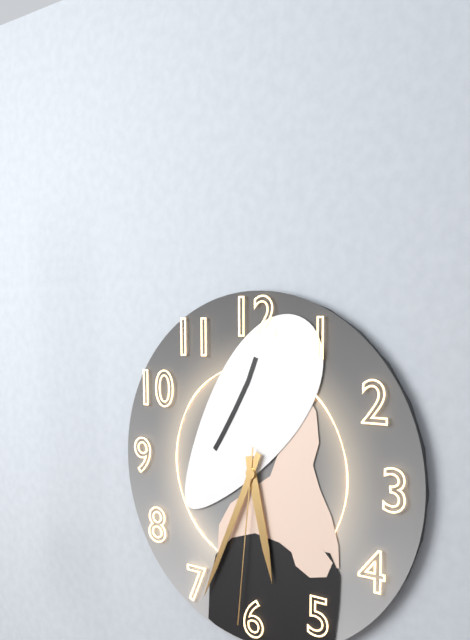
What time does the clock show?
5:34:31
